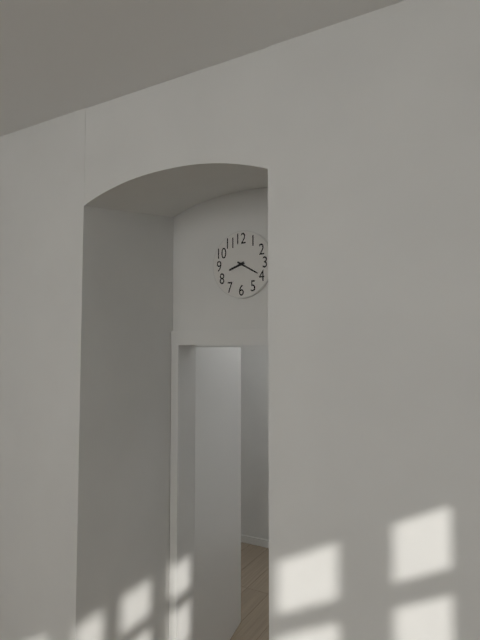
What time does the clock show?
8:20
